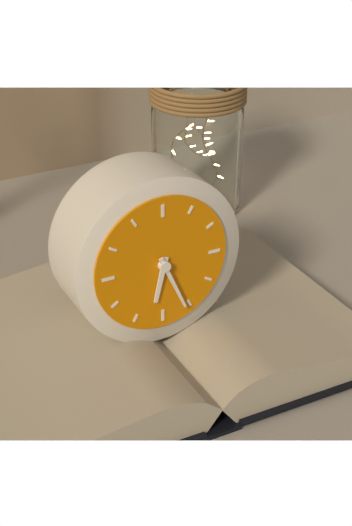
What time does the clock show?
6:26
